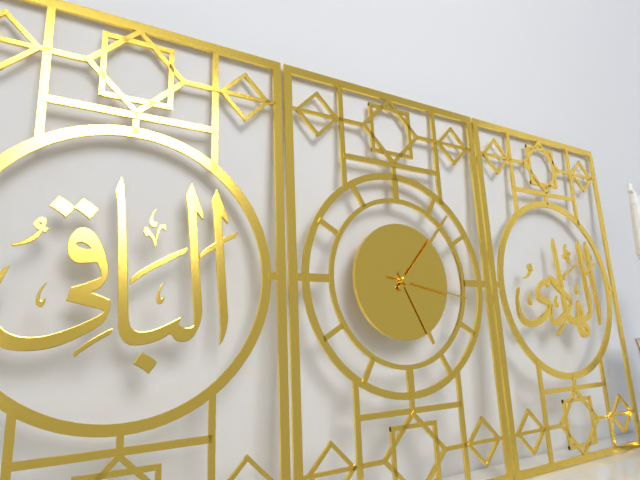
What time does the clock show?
5:07:17
